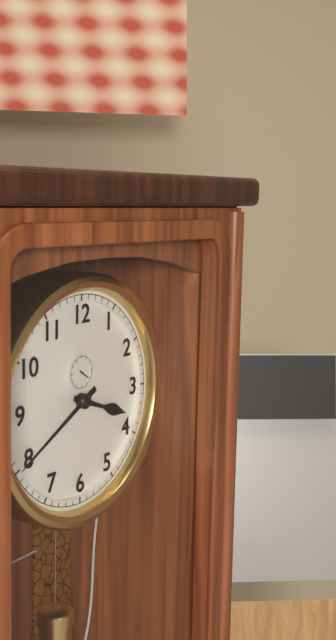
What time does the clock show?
3:40
